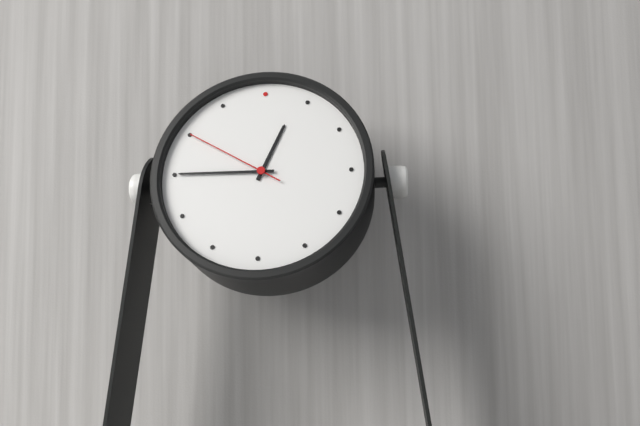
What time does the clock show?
12:45:50
